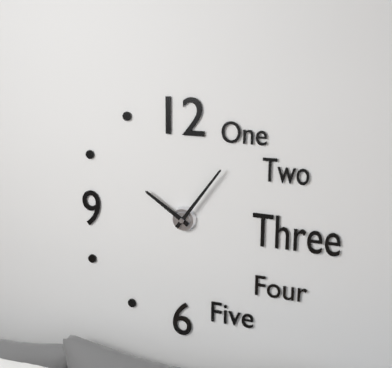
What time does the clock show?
10:06
